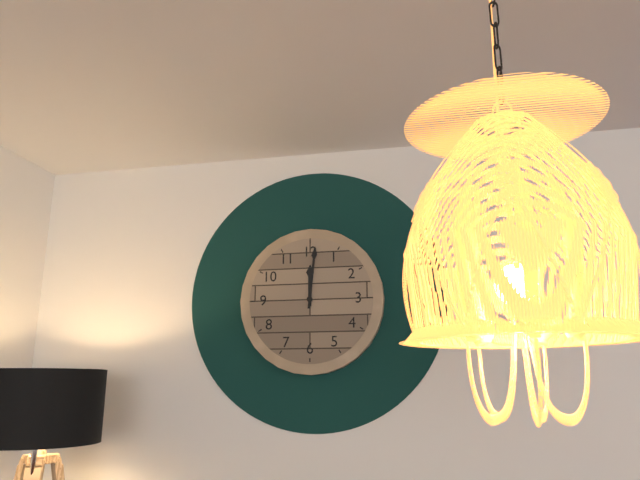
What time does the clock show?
12:01
